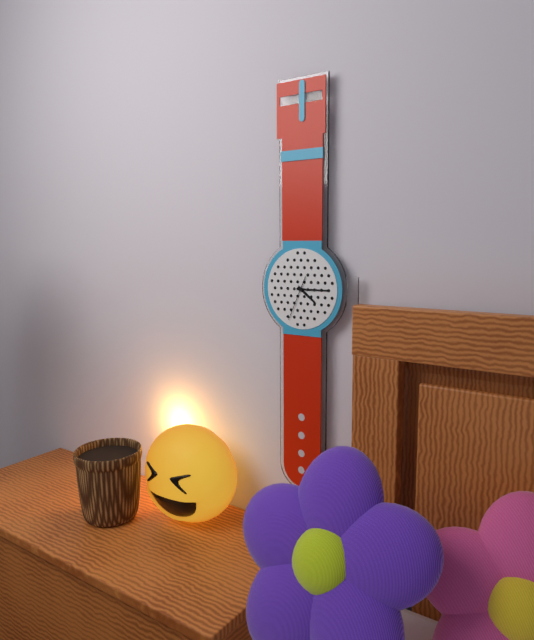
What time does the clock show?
4:15
